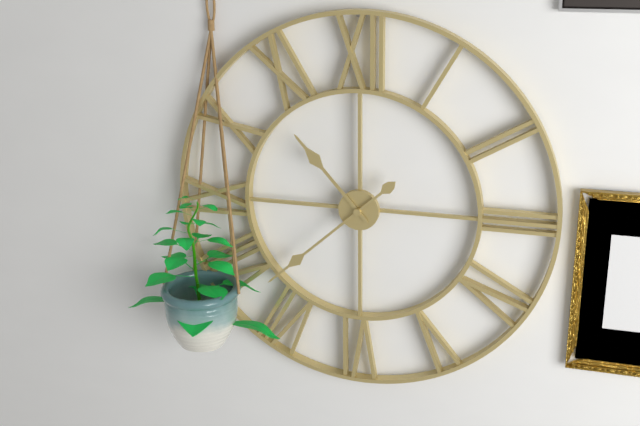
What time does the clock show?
10:38
